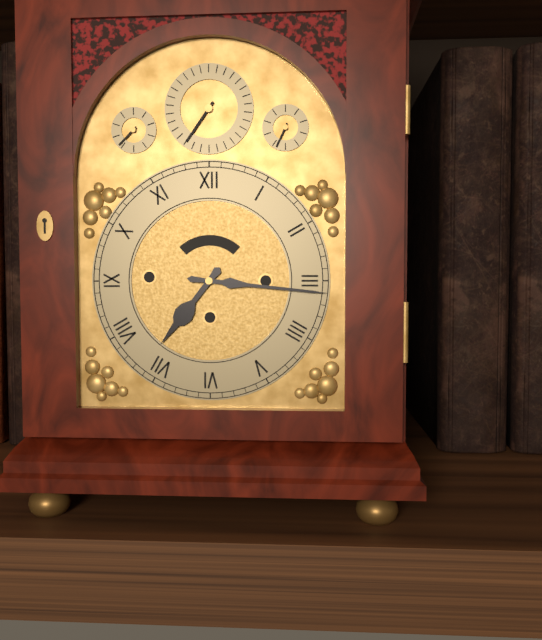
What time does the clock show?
7:16
